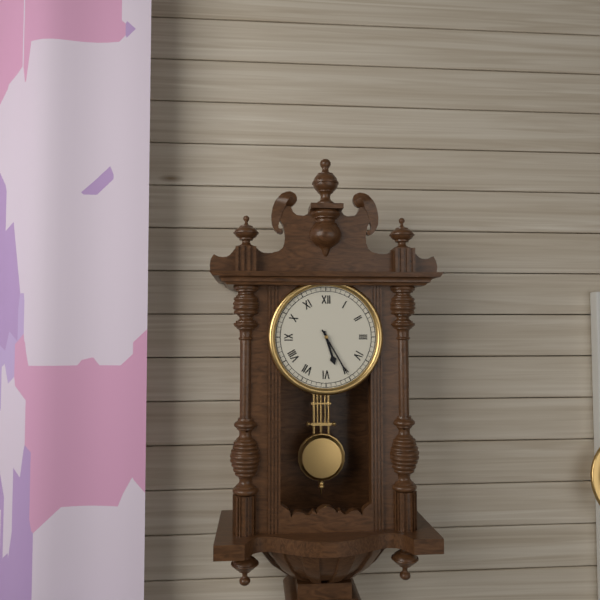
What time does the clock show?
5:25
